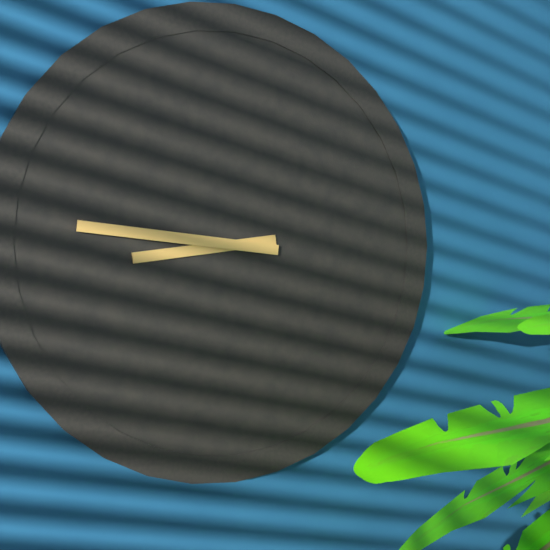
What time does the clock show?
8:46
